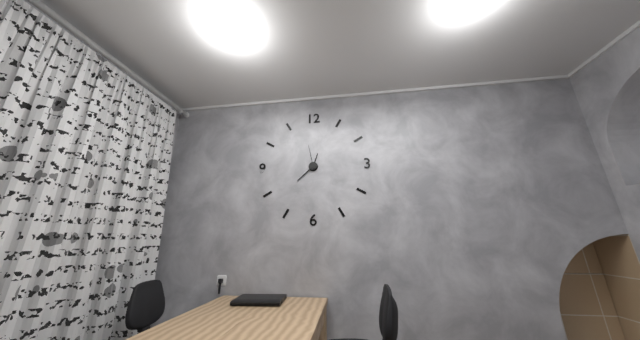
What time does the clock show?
12:38
